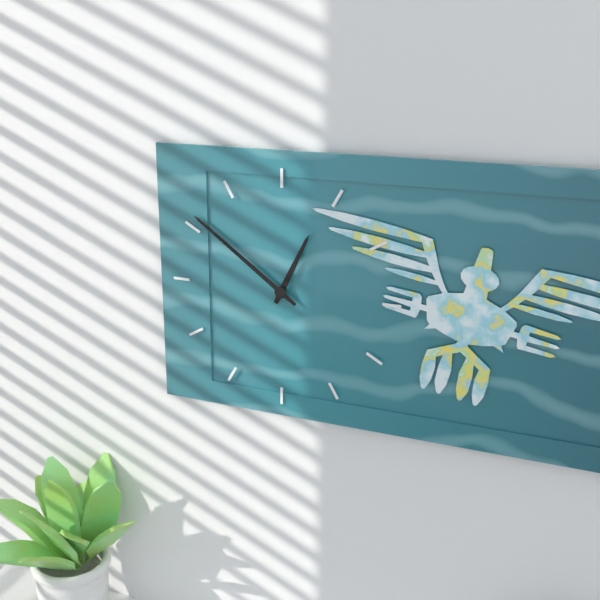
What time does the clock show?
12:51
